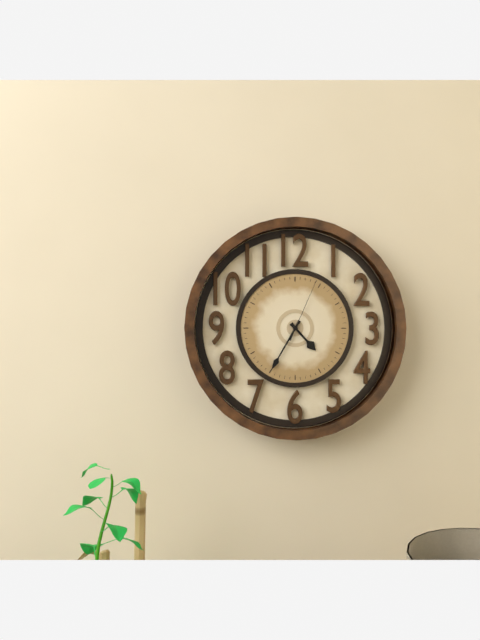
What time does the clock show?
4:35:04
